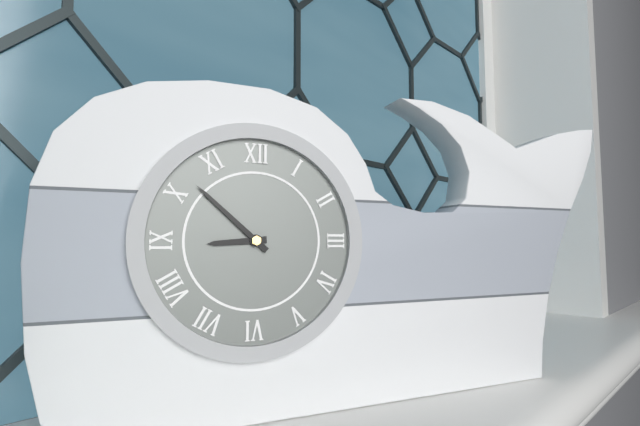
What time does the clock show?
8:52
